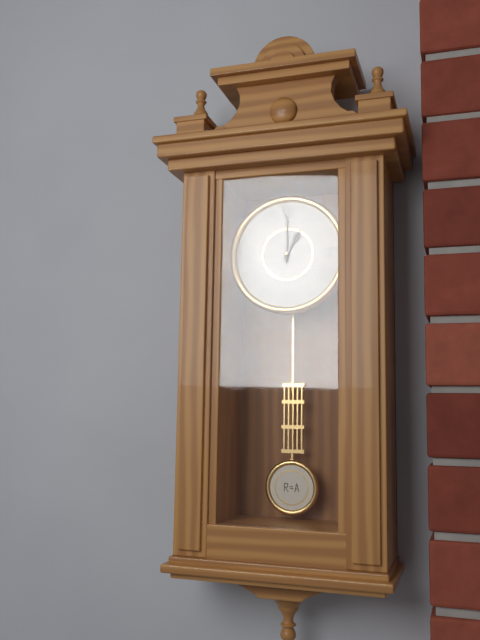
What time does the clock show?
1:00
